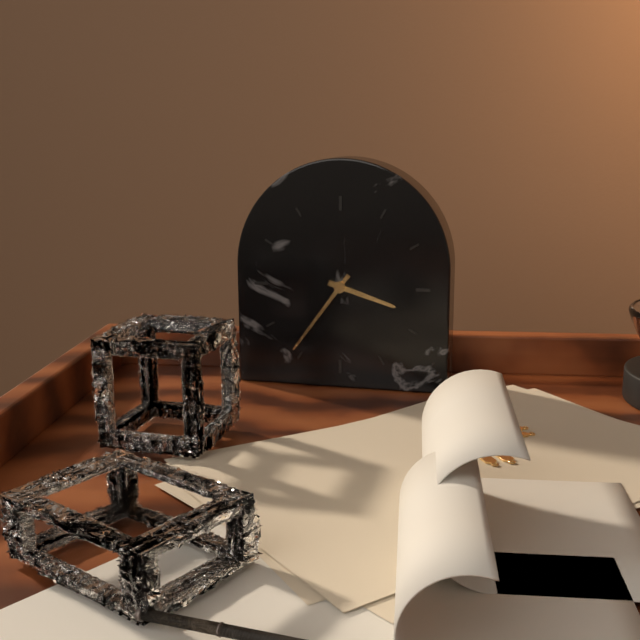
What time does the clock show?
3:36
